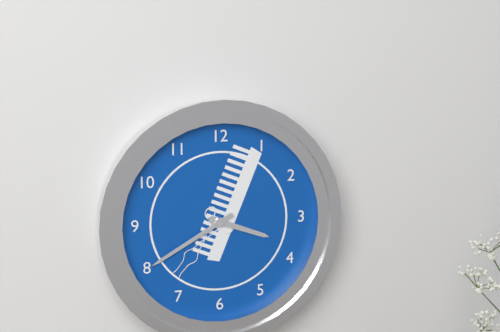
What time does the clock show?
3:40
